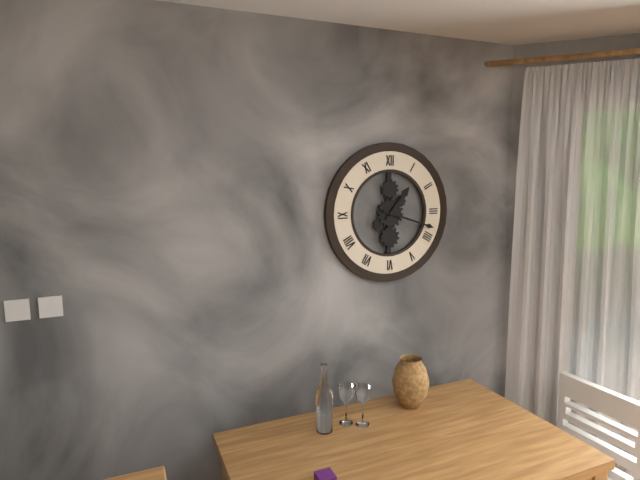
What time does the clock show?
1:18
